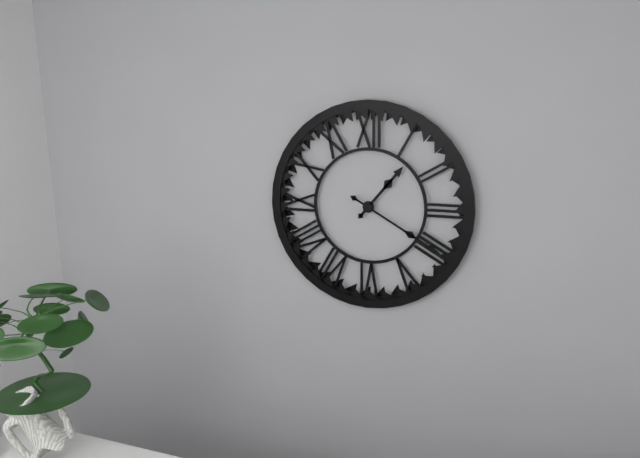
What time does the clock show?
1:20
